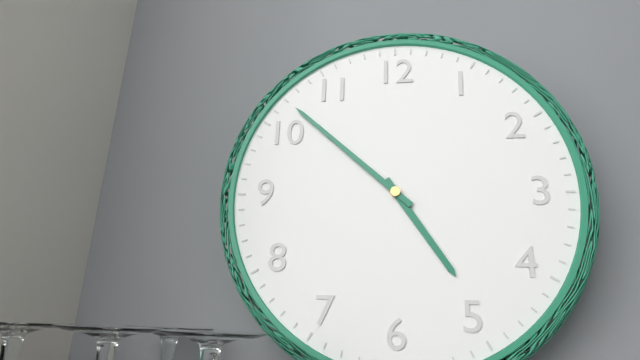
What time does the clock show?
4:52
